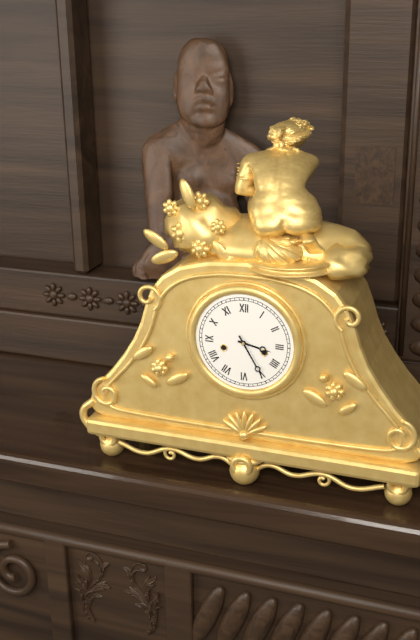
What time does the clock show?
3:25
